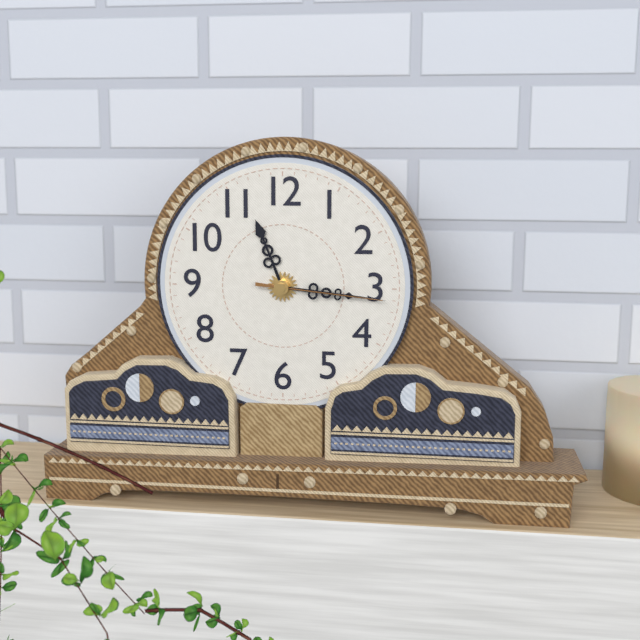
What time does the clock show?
11:16:16
